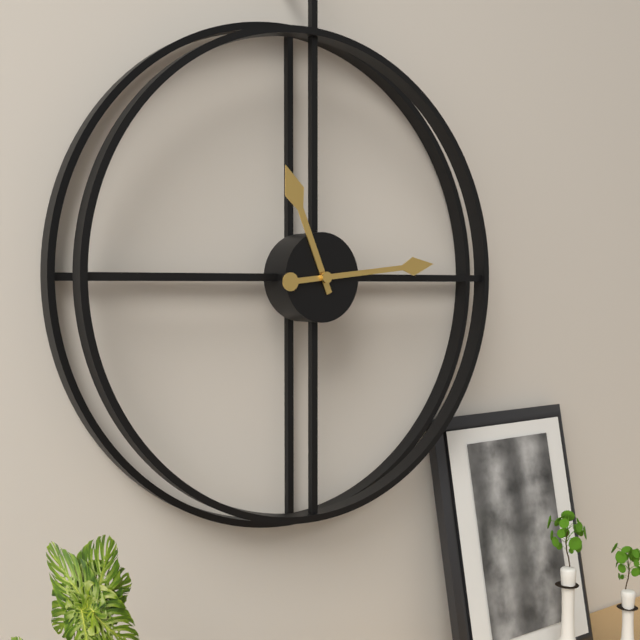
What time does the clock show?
11:14
